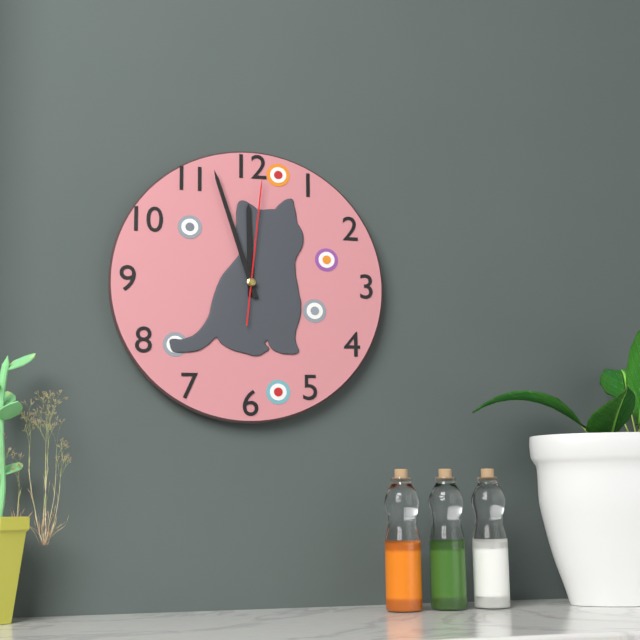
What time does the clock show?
11:57:01
